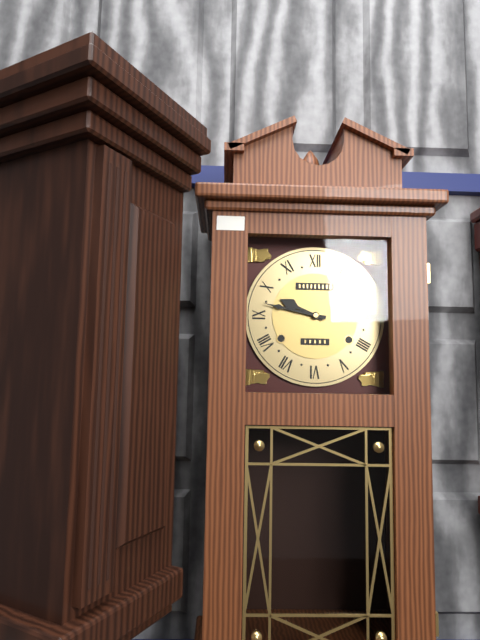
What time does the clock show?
9:47
